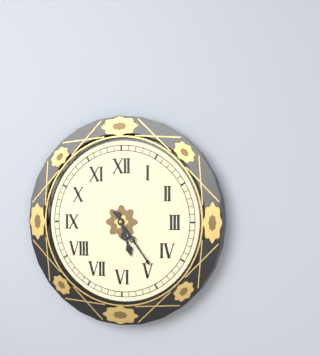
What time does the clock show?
5:24
